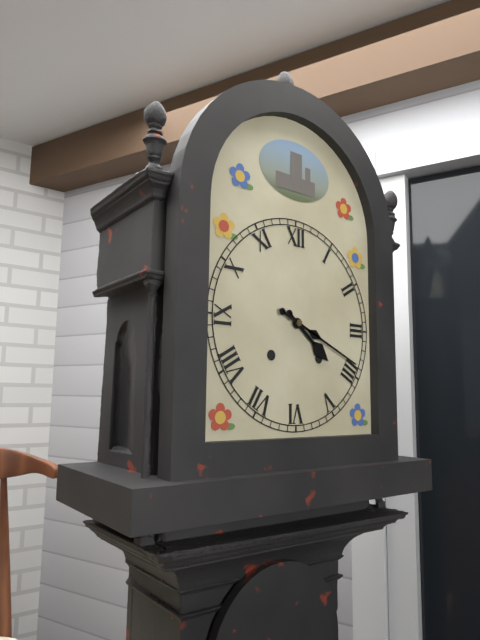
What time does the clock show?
4:19
